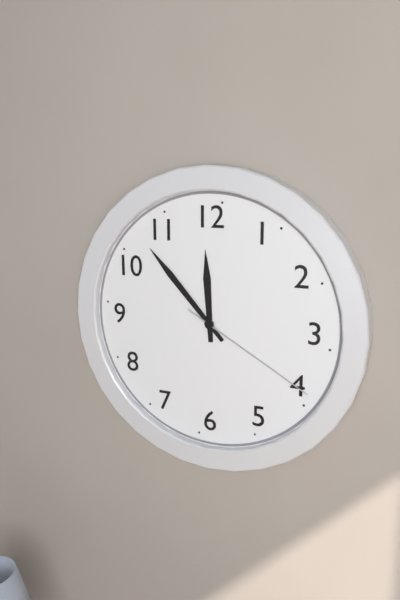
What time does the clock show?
11:53:20
